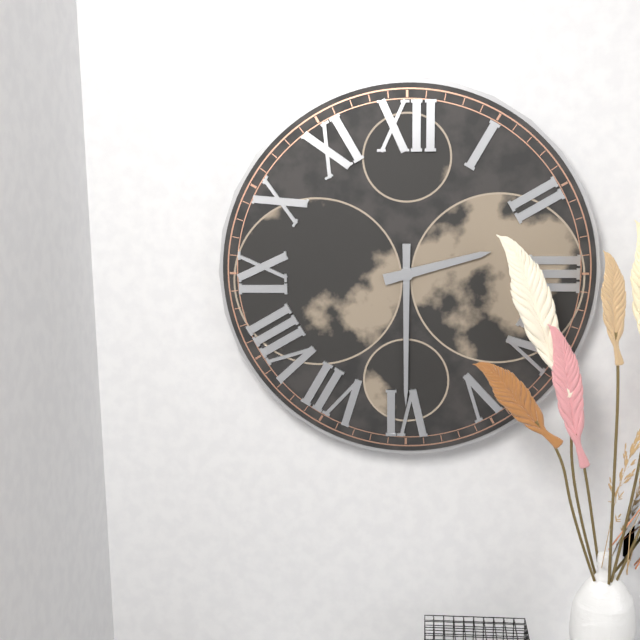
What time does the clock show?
2:30
